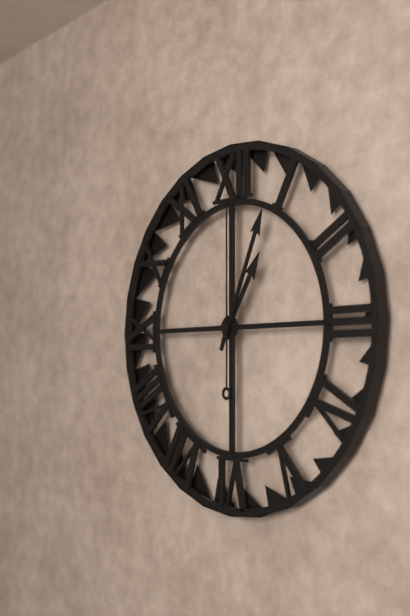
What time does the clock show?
1:04:00
